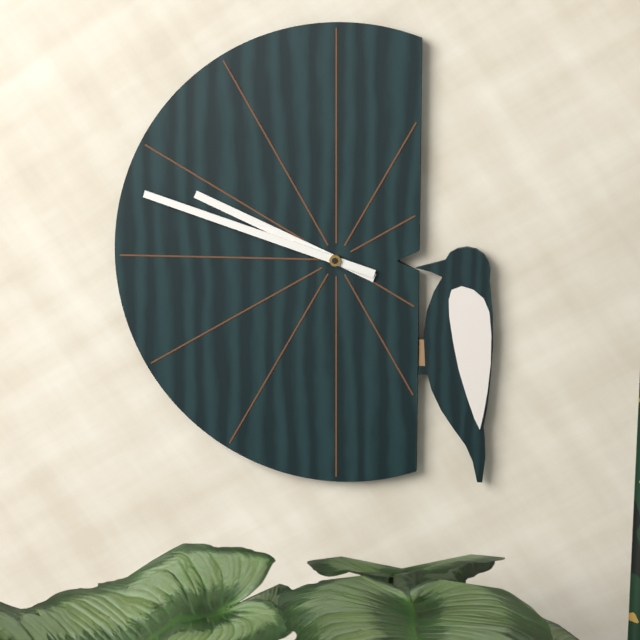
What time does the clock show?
9:48
